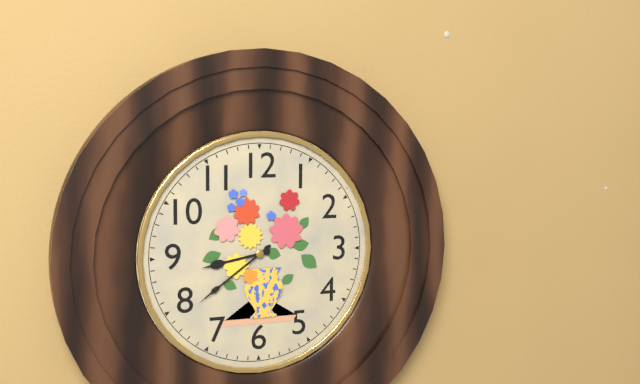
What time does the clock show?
8:39
